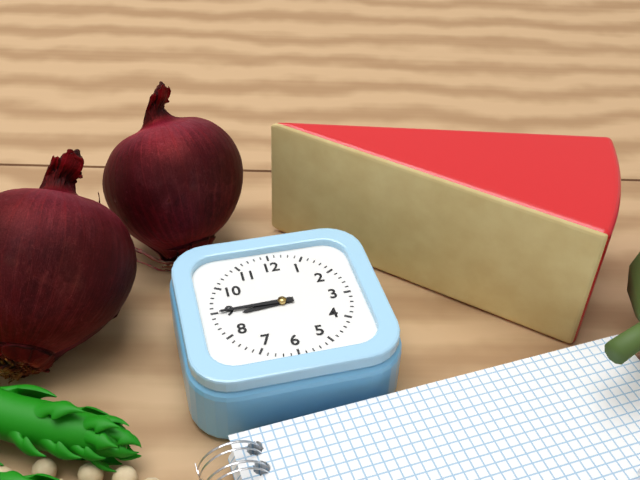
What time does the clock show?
8:45
